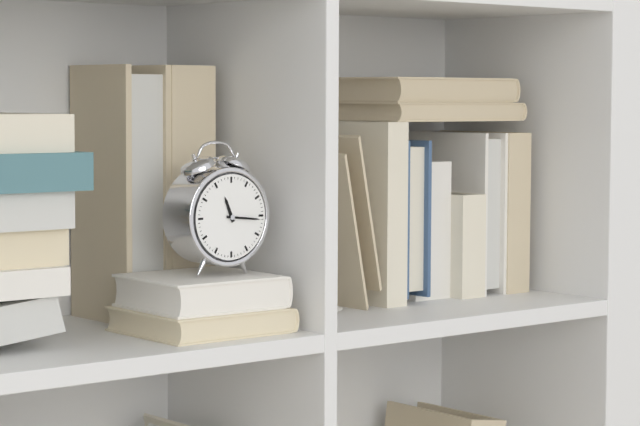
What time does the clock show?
11:16
